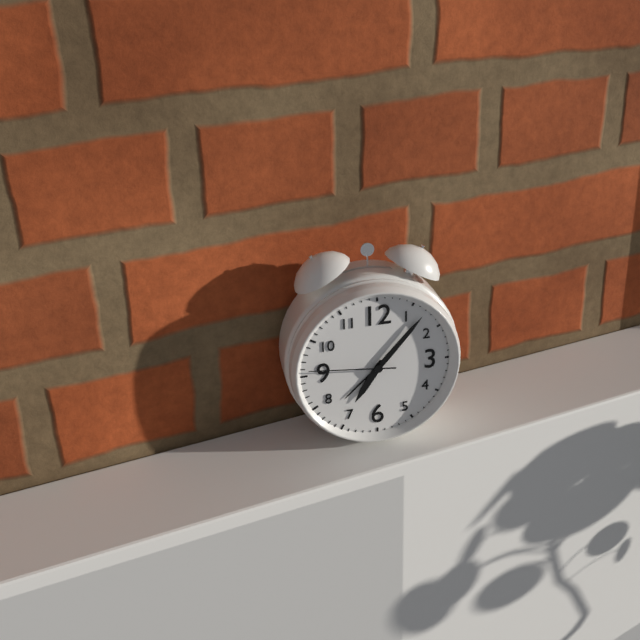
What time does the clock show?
7:07:46
